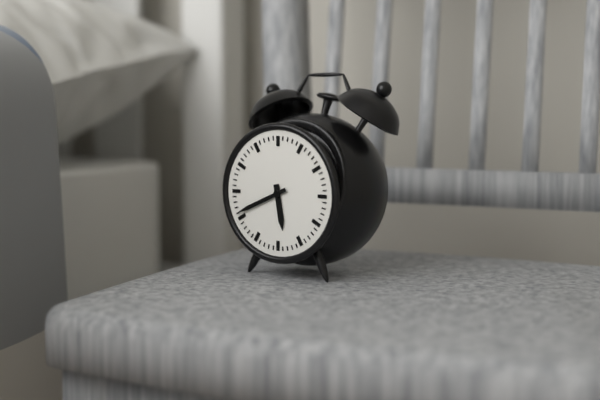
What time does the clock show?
5:41
